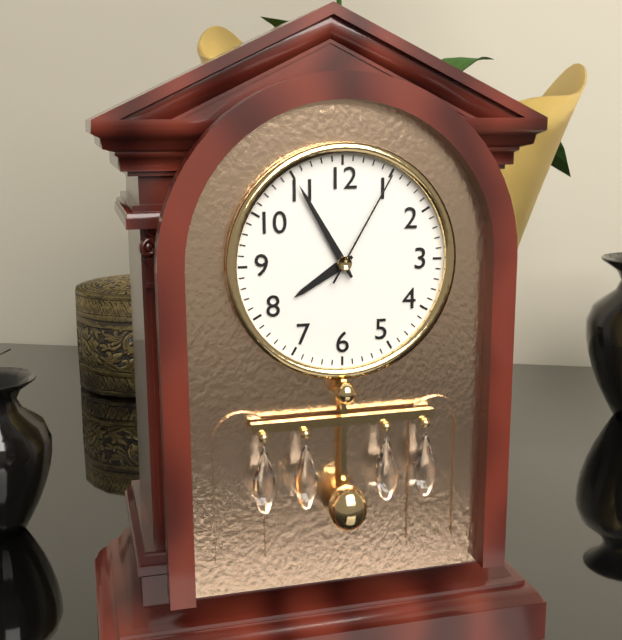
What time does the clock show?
7:55:05
